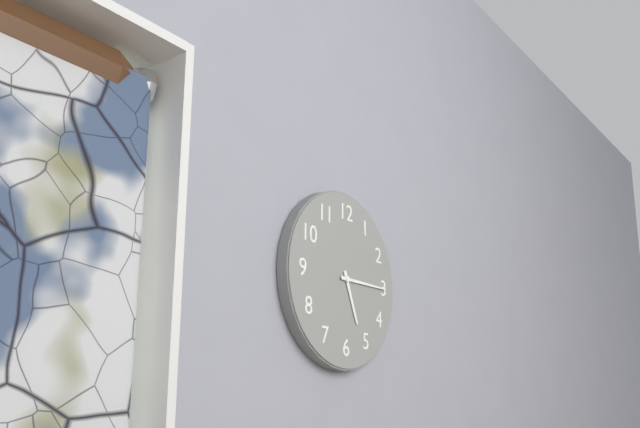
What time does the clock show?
5:15
